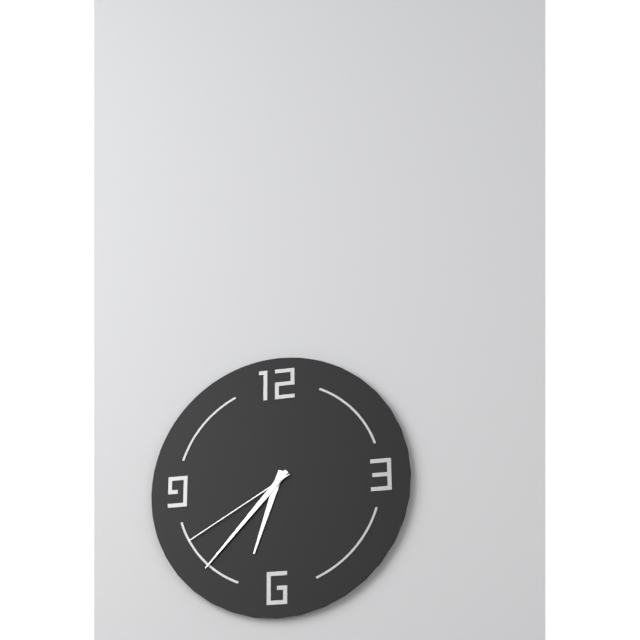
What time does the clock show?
6:37:40
